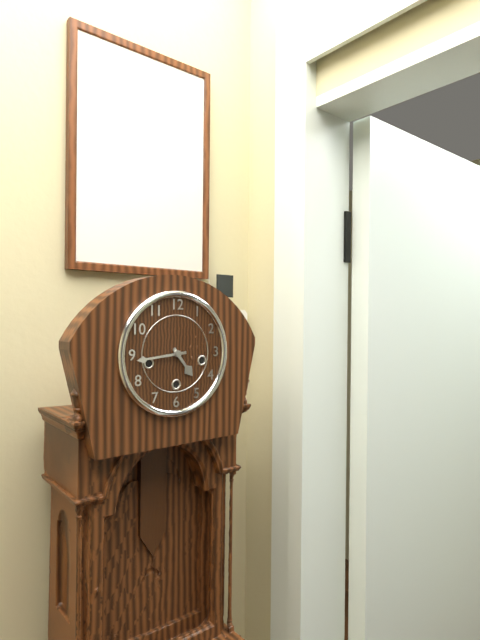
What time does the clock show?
4:44
